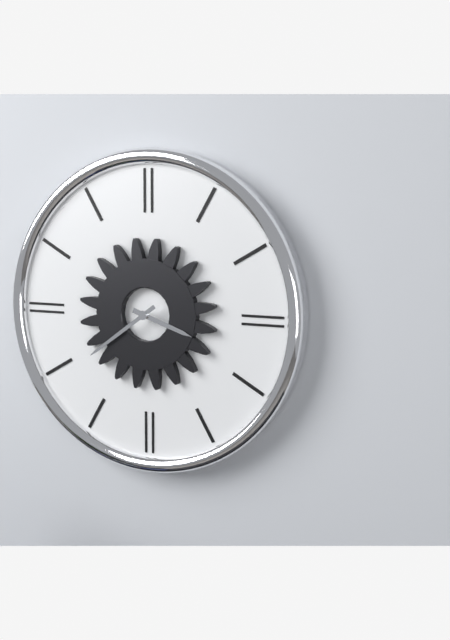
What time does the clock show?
3:39
